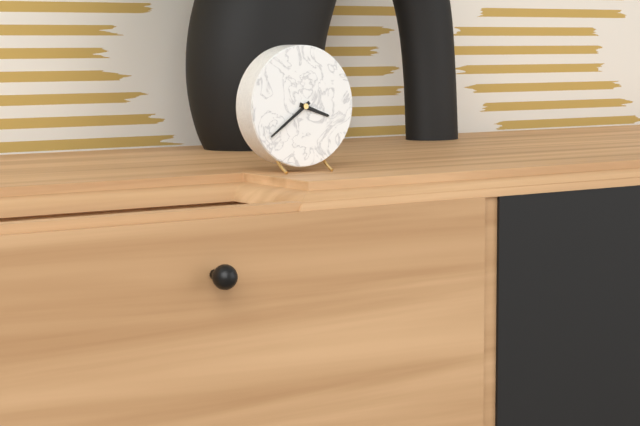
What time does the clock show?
3:39
